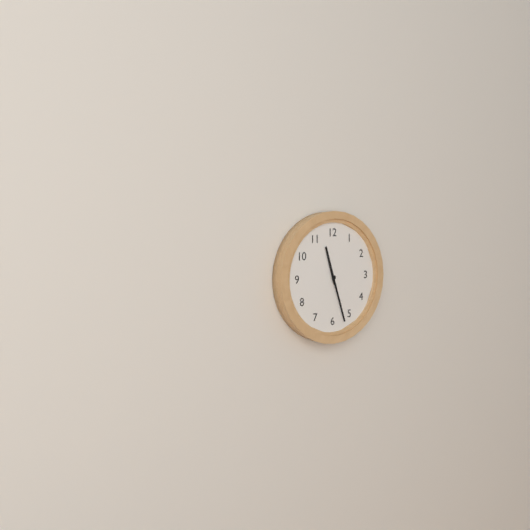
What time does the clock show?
11:27
